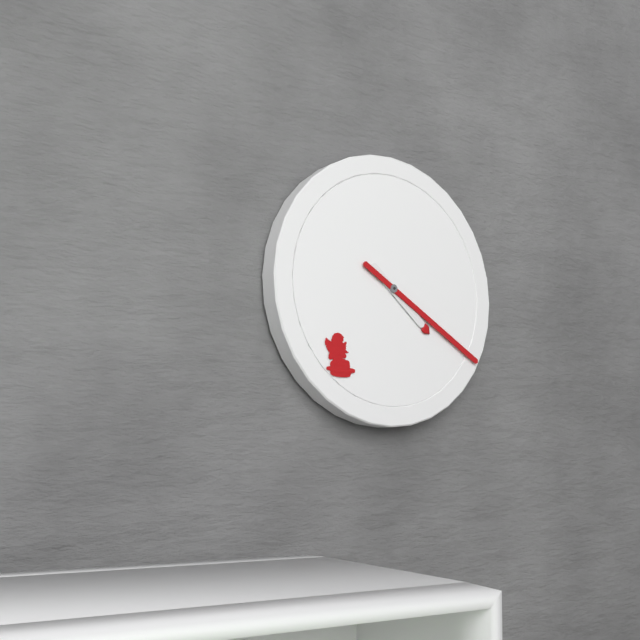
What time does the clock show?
4:20
